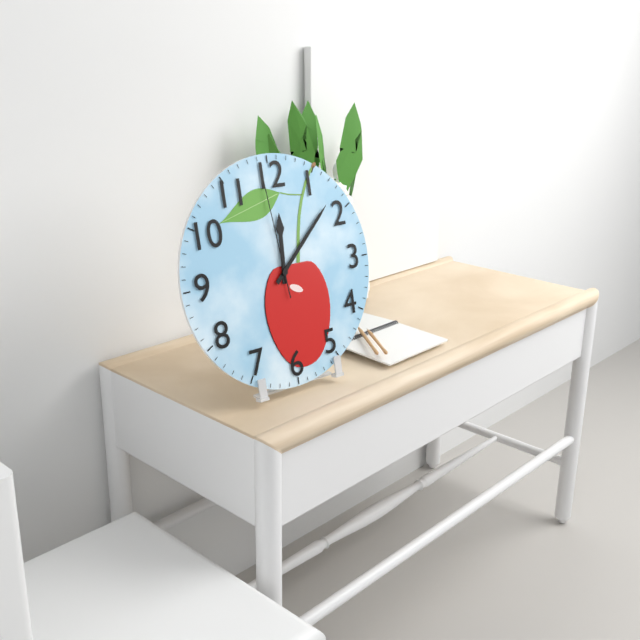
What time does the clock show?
12:08:59
